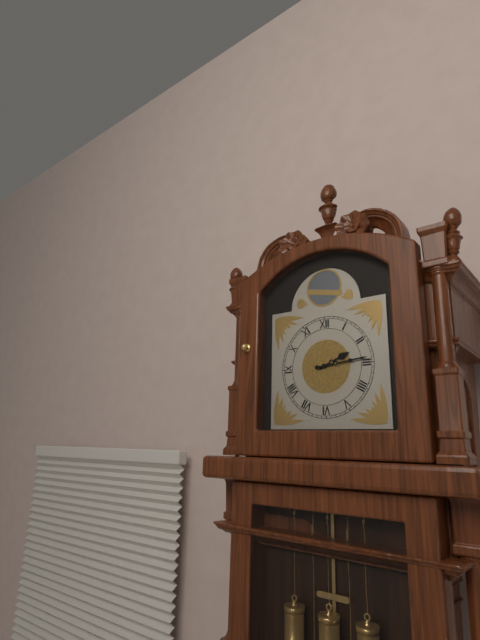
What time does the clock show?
2:14
